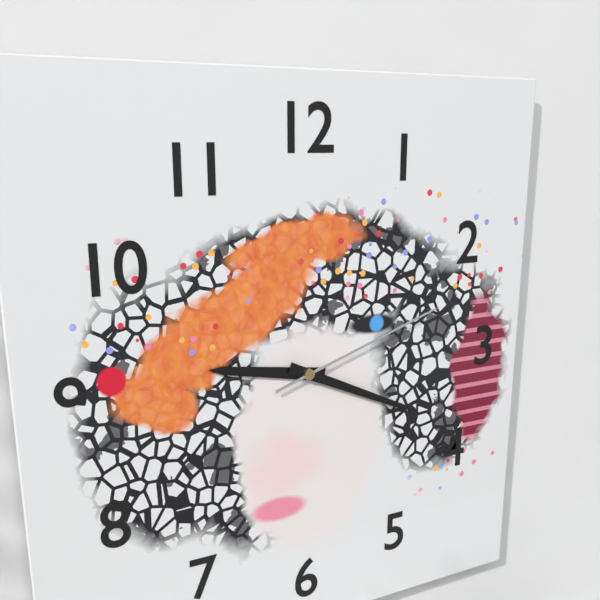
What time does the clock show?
9:19:12
